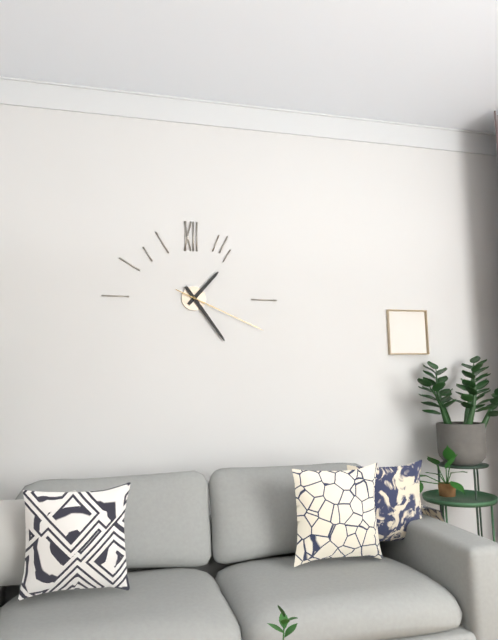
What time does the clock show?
1:24:19
